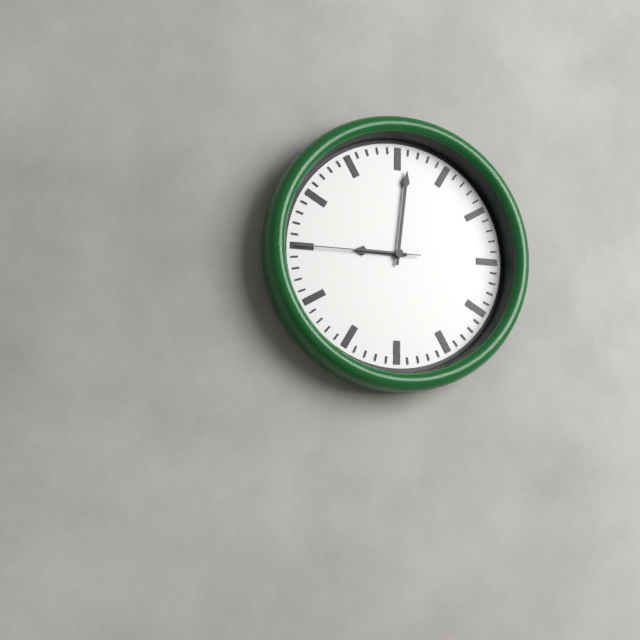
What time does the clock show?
9:01:45
